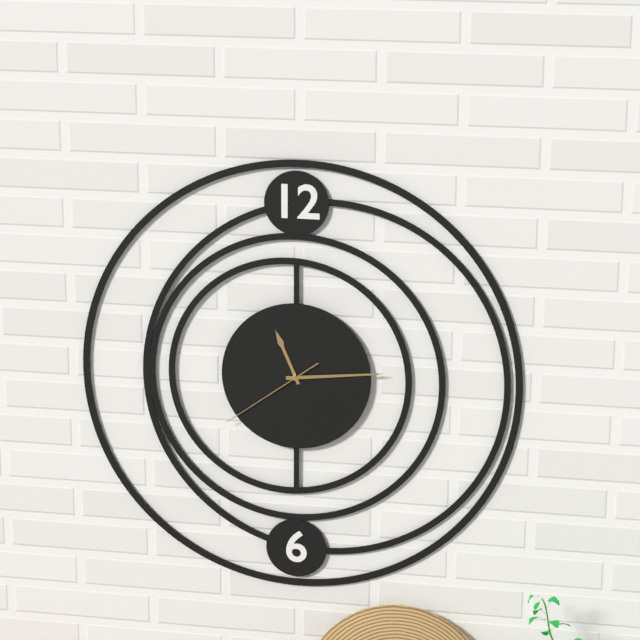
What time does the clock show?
11:14:39
